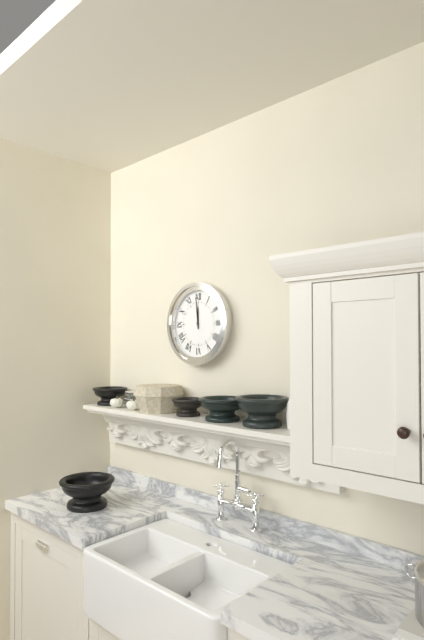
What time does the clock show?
11:59
